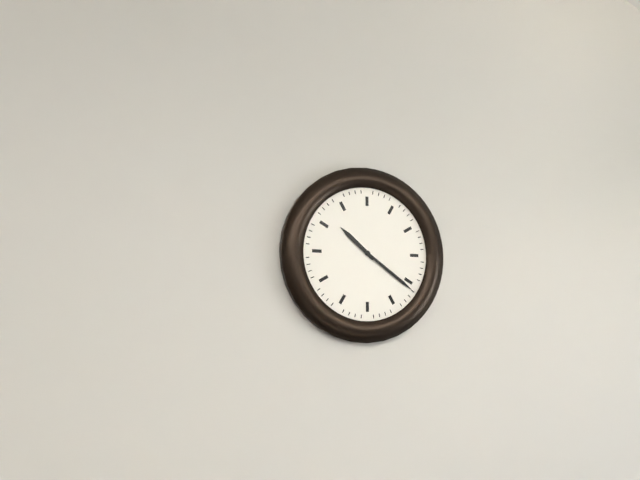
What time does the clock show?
10:21
